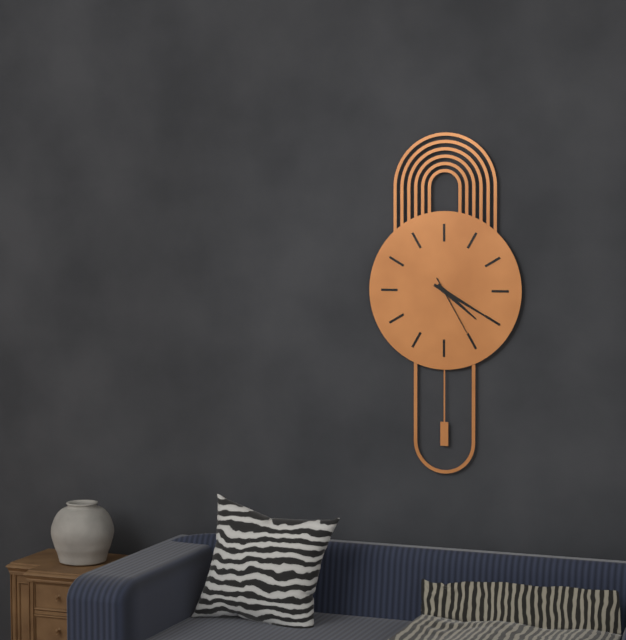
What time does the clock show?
4:20:25
